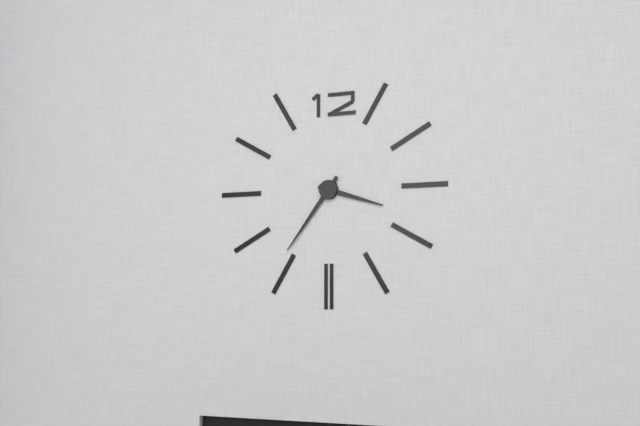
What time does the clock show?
3:36
